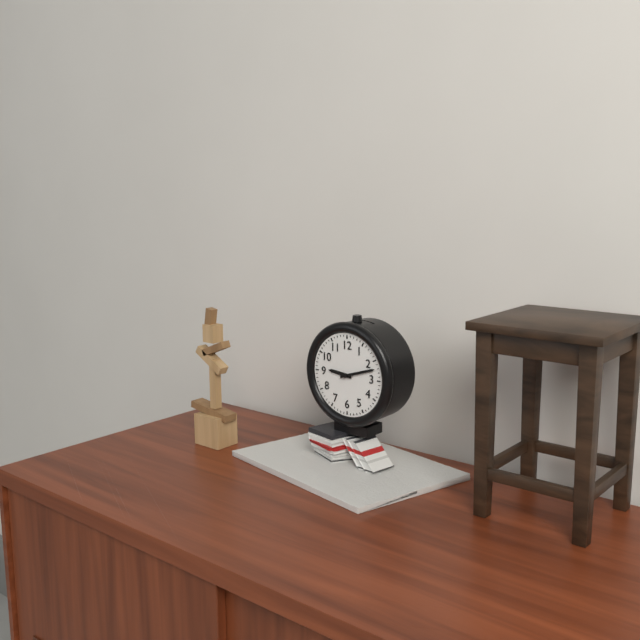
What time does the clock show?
9:12
